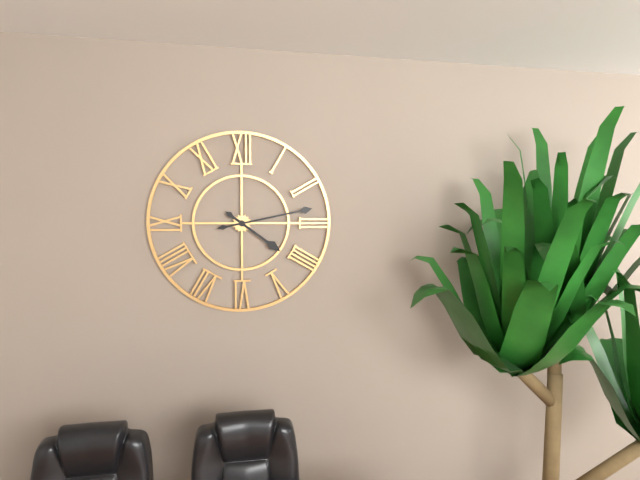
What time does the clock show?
4:13
